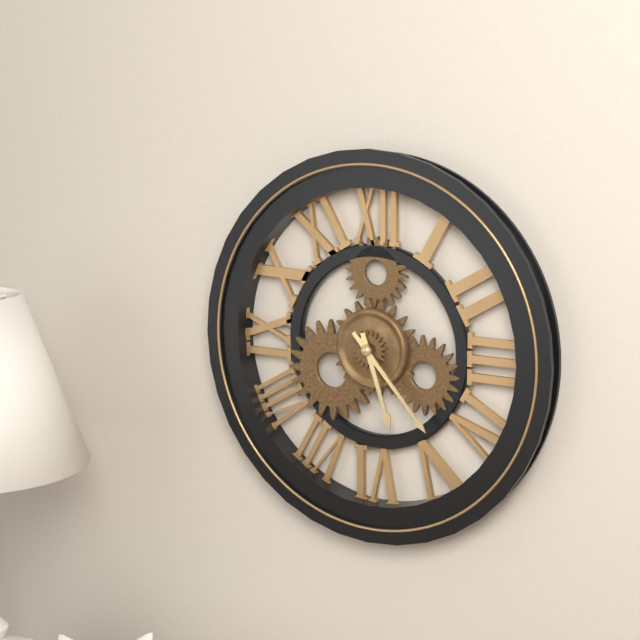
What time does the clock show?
5:23
